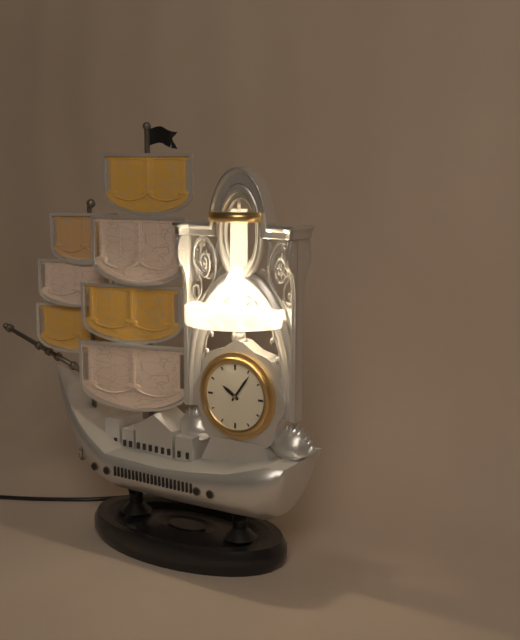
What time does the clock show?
10:06
